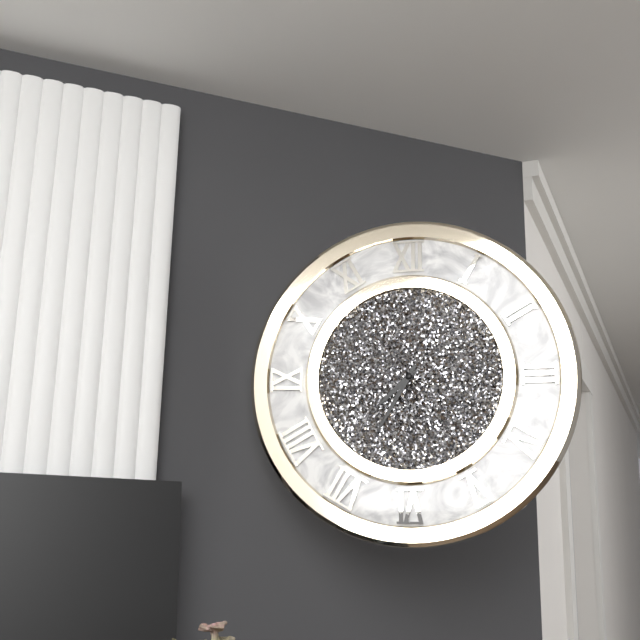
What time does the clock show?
7:35
